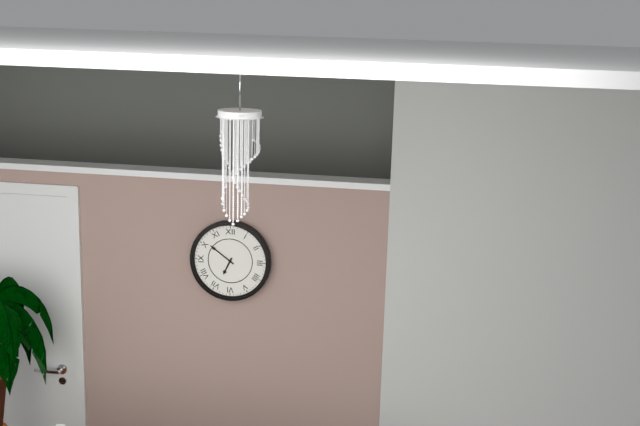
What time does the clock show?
6:51
